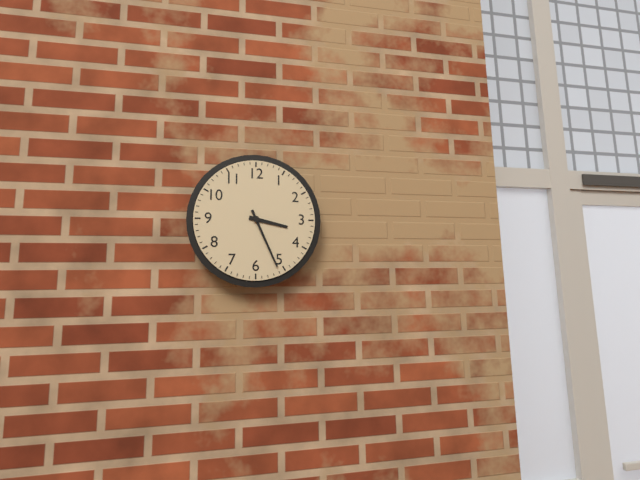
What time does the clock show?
3:26
